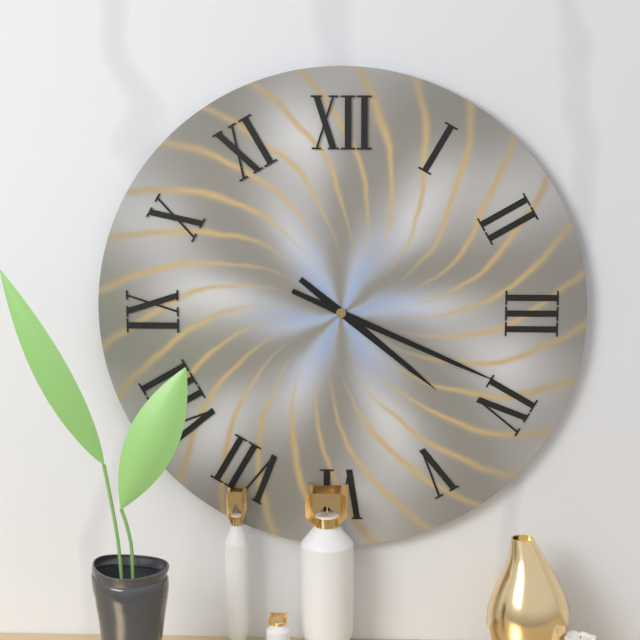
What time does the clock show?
4:19
